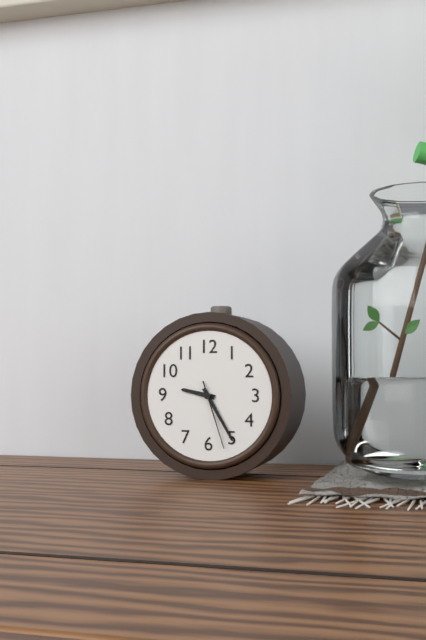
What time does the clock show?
9:25:27
